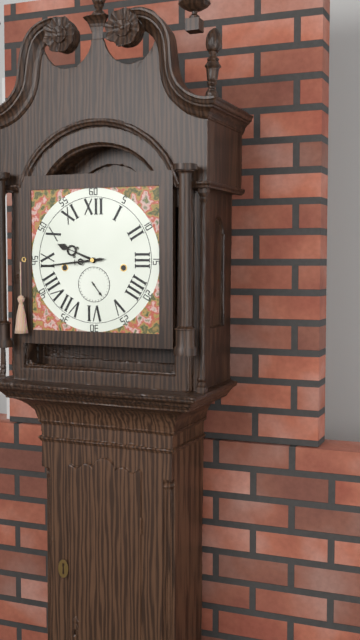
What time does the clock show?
9:44
